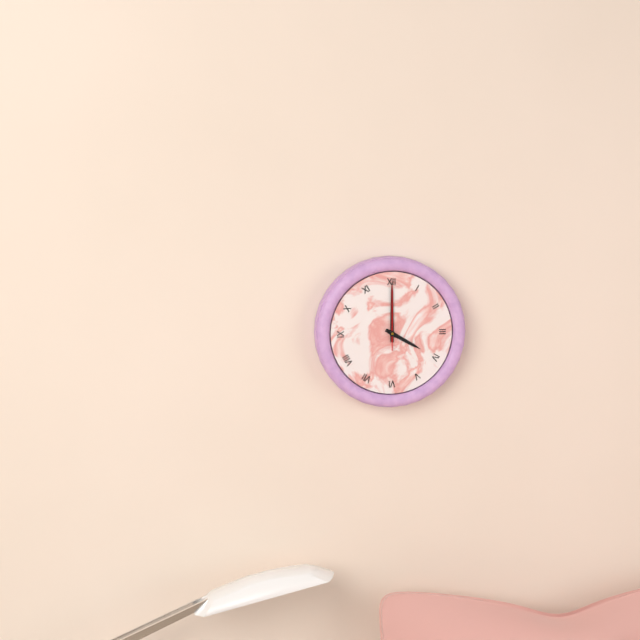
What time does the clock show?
4:00:00
